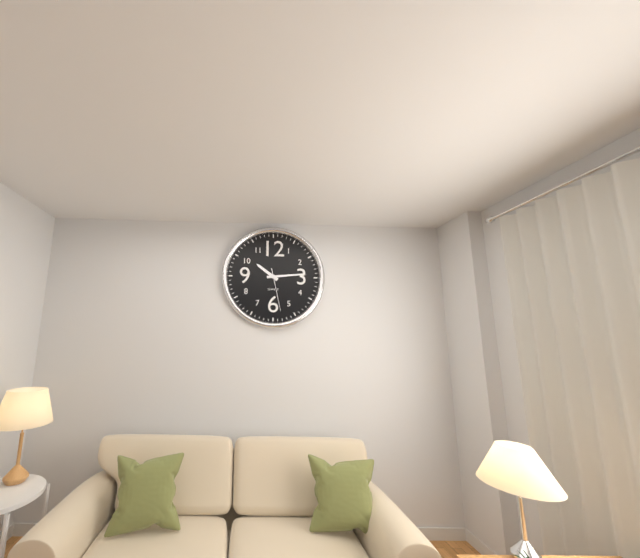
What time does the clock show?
10:14
